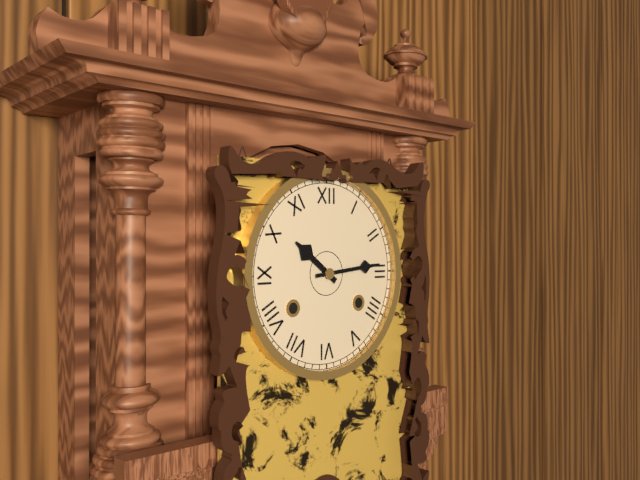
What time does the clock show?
10:14
